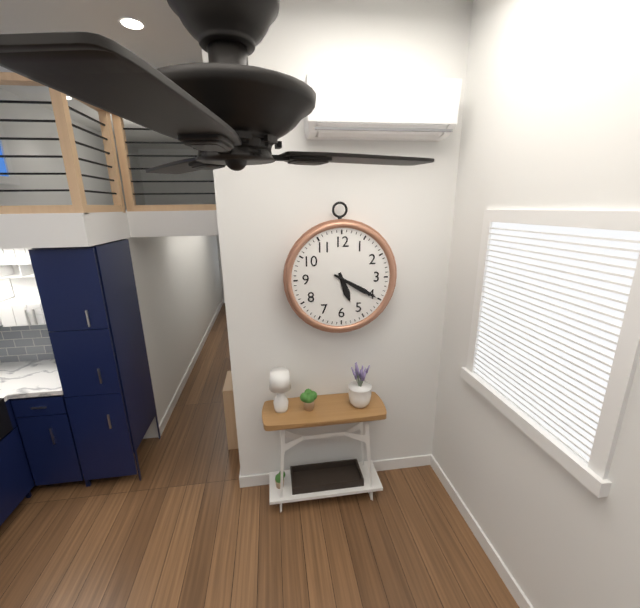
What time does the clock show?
5:20
